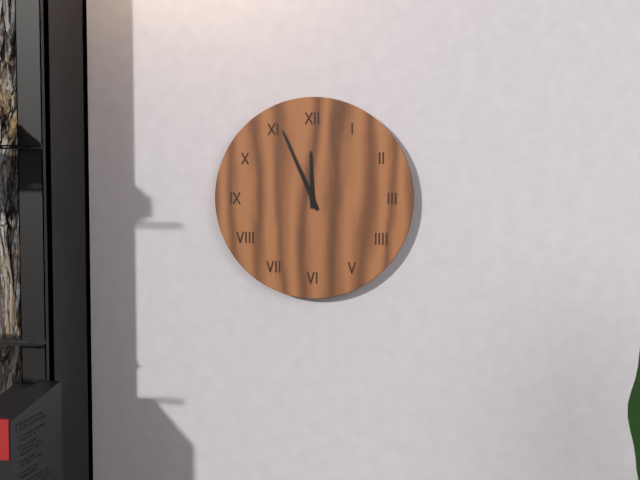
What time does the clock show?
11:56
